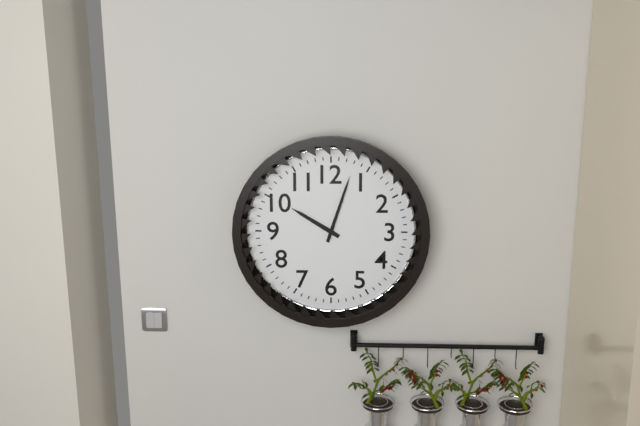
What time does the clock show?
10:03
